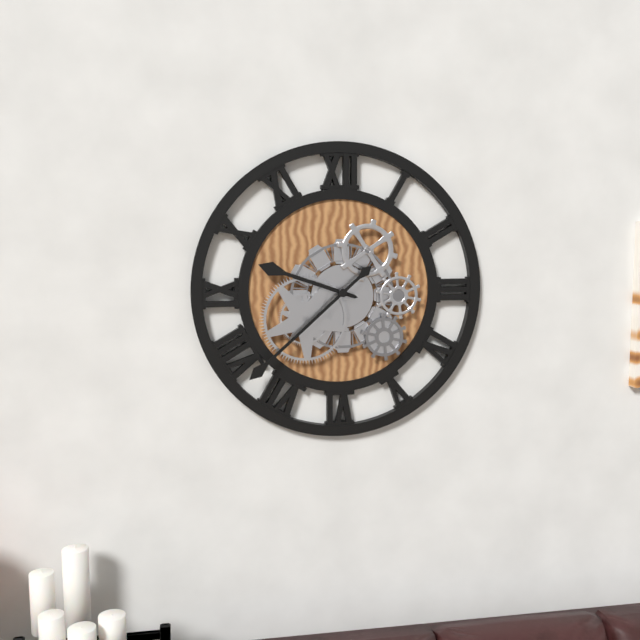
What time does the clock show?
9:38
